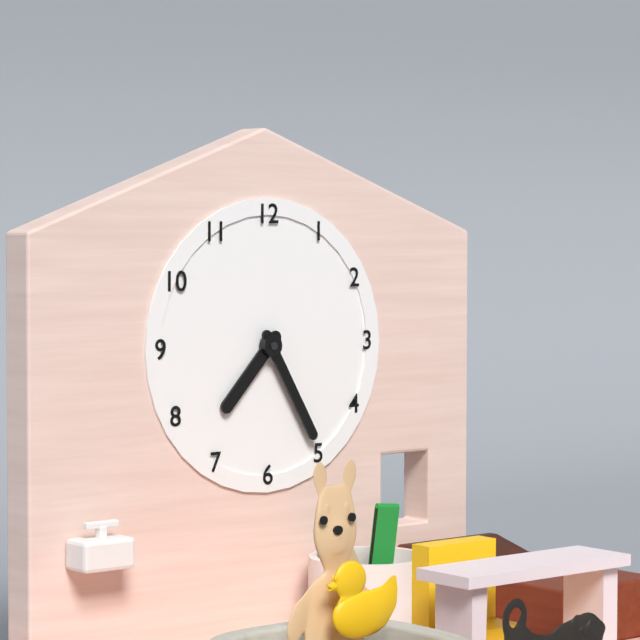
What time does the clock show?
7:25
